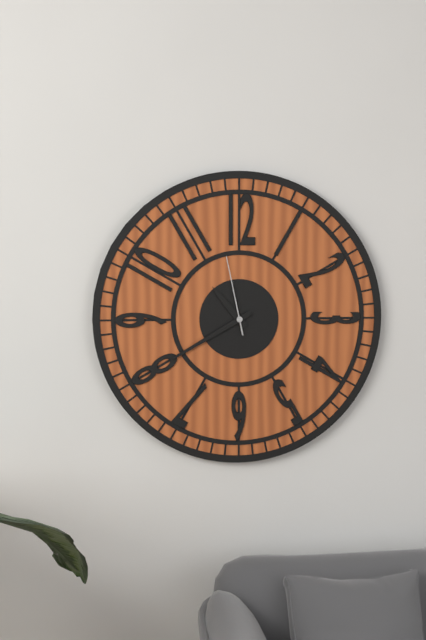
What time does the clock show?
10:40:58
